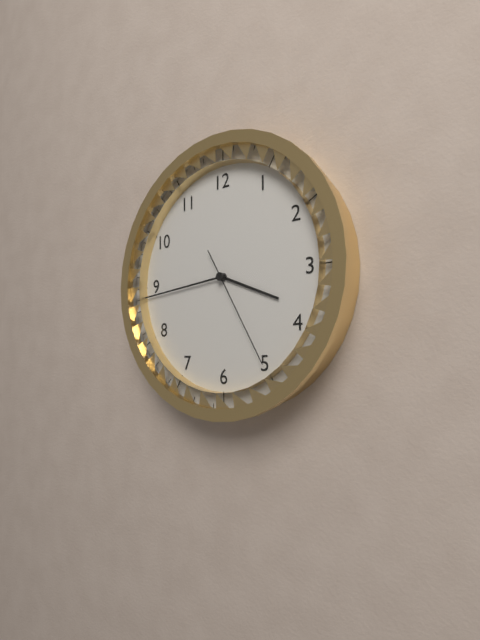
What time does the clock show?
3:44:25
